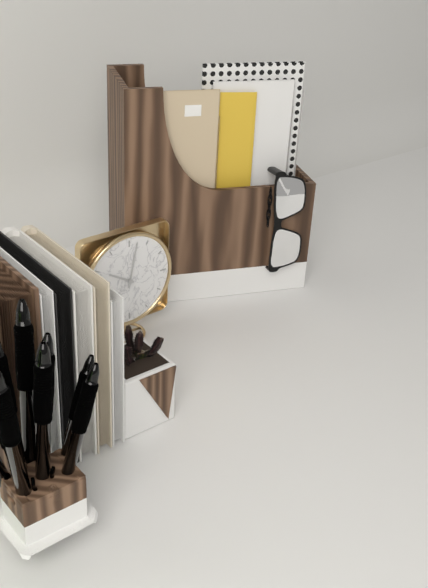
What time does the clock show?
10:02
